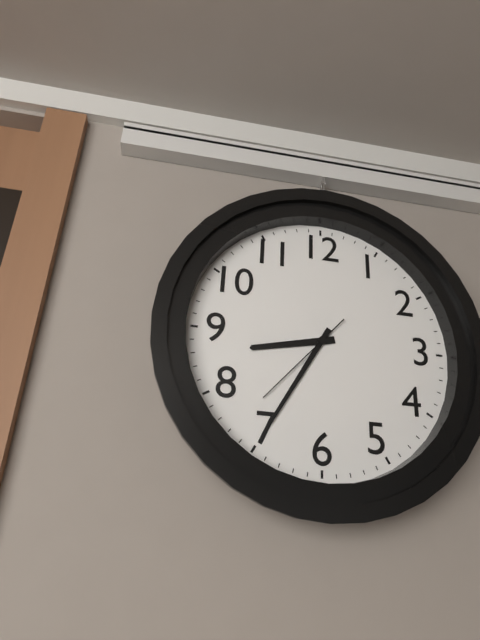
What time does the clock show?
8:35:37
